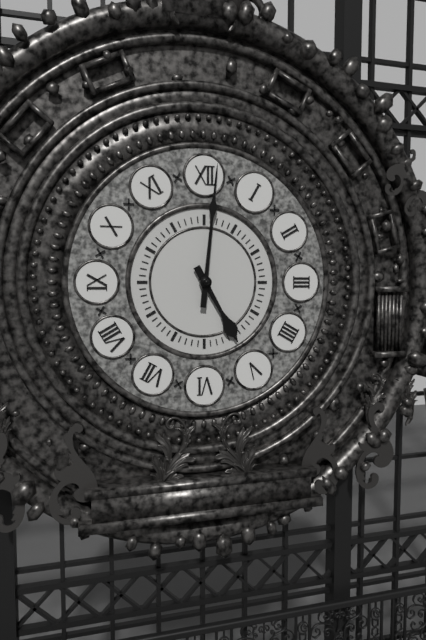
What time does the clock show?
5:01
